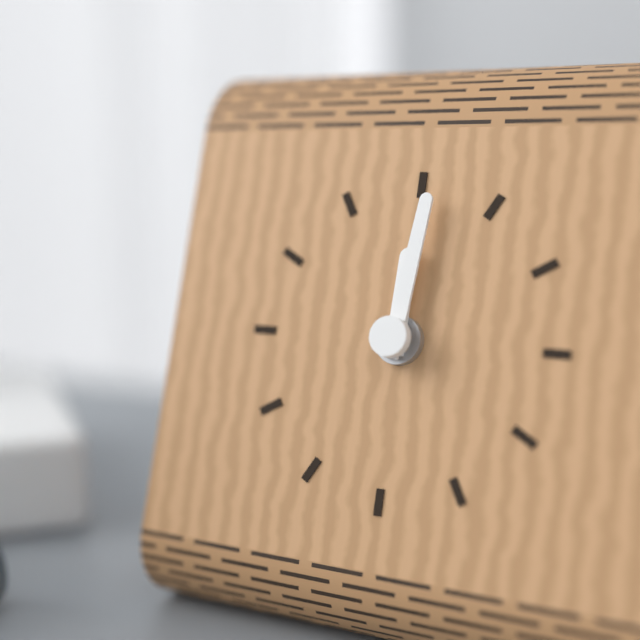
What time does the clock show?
12:01
